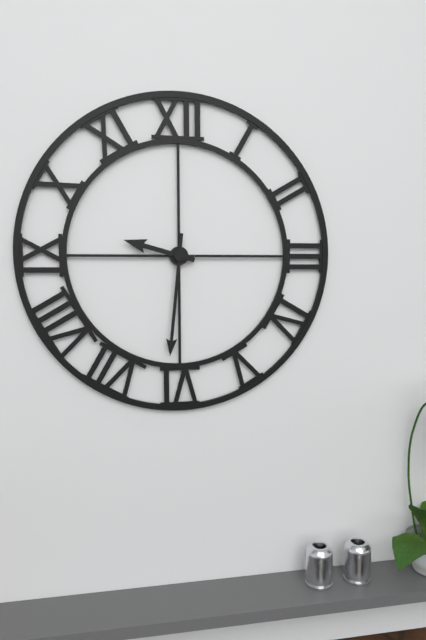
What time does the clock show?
9:31
